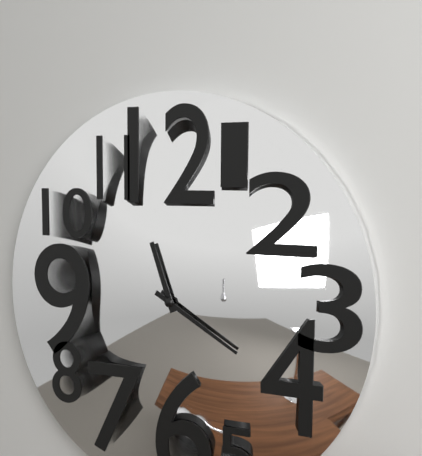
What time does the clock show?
11:20
